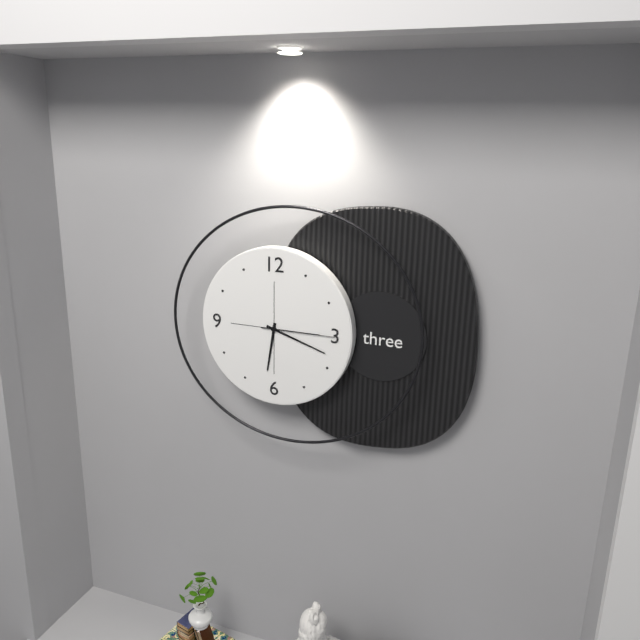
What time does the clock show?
6:18:15
